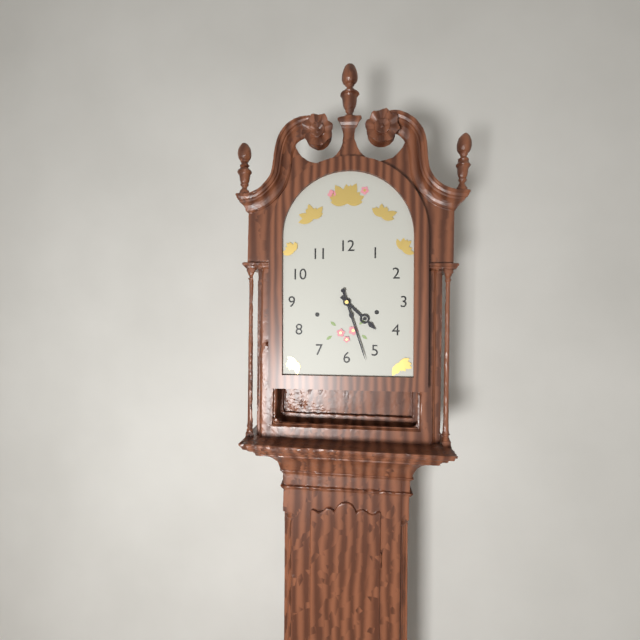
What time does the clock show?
4:27
